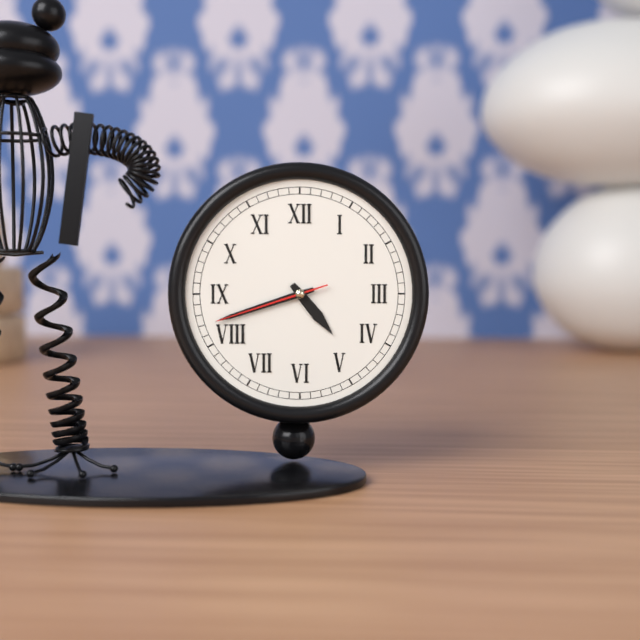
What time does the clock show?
4:42:42
